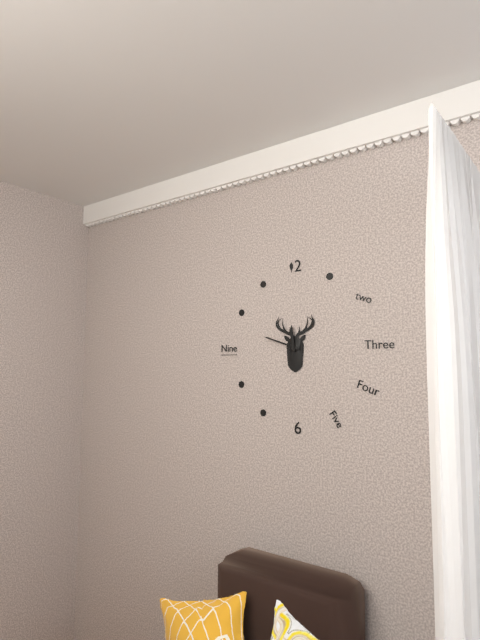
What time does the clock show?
11:48
